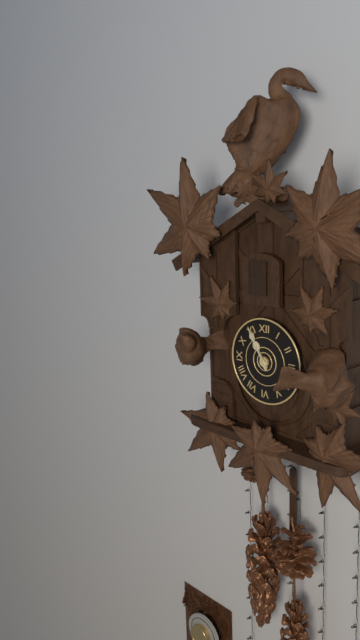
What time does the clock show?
10:55
